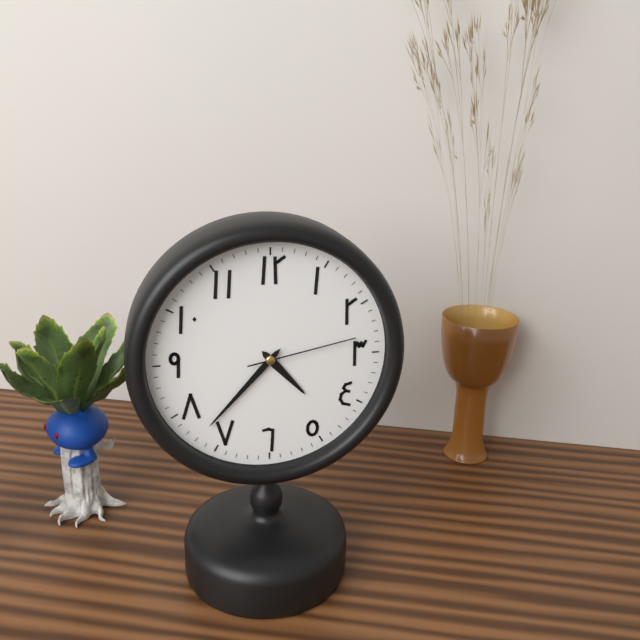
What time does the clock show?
4:37:13
